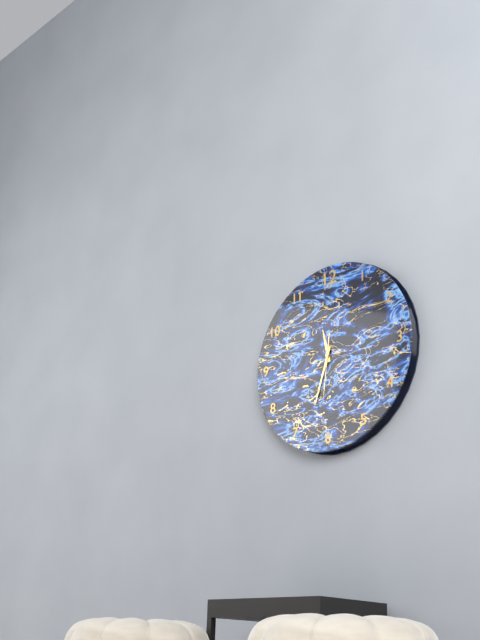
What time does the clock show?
11:33:31
